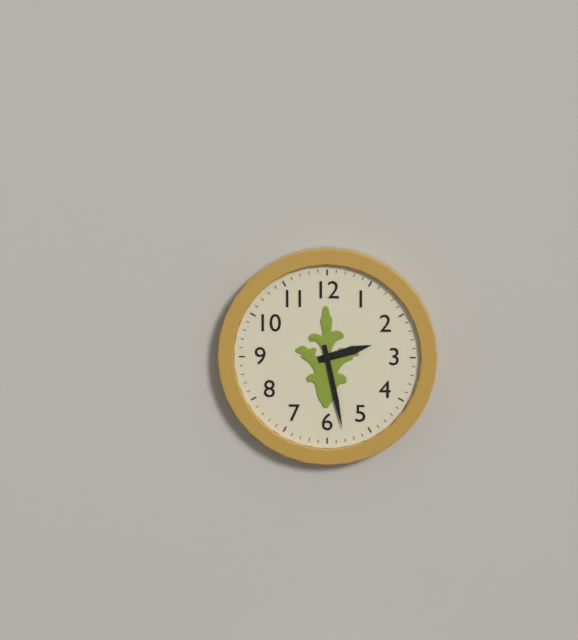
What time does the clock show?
2:28
